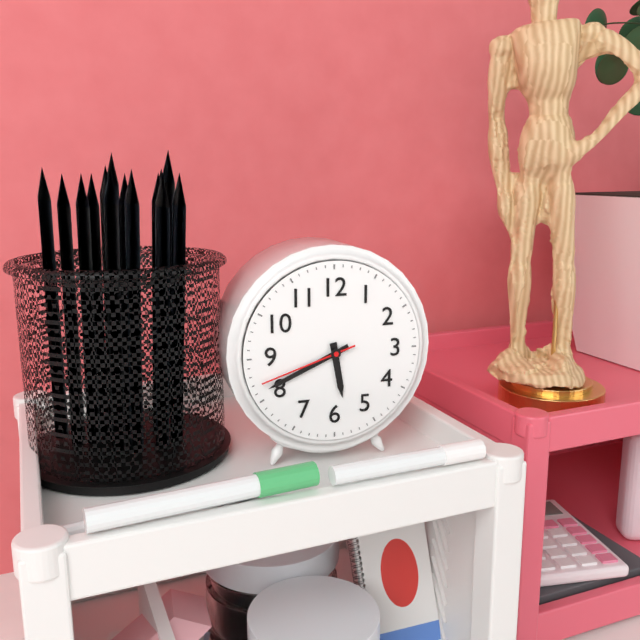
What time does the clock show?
5:41:42
